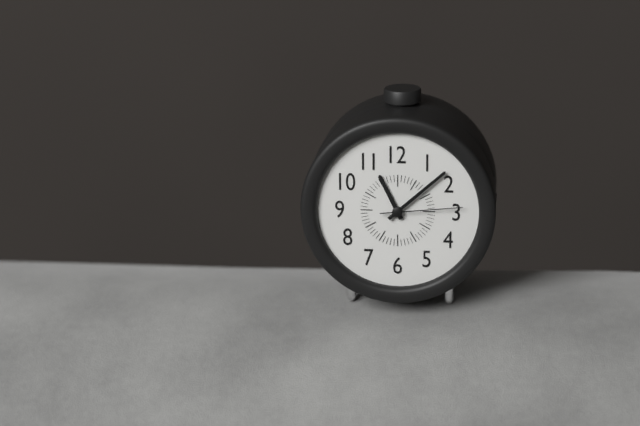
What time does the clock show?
11:08:14
